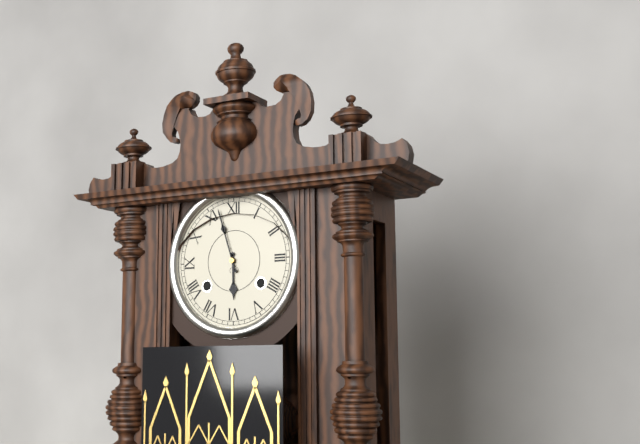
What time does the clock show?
5:57
